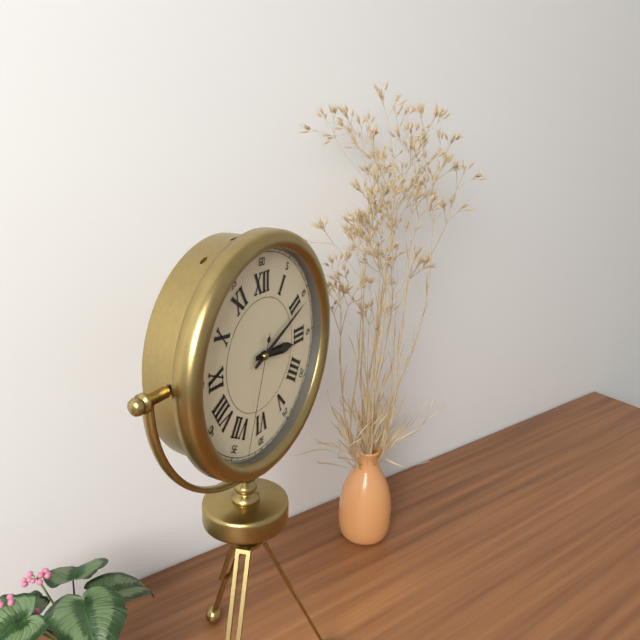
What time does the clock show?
3:11:33
